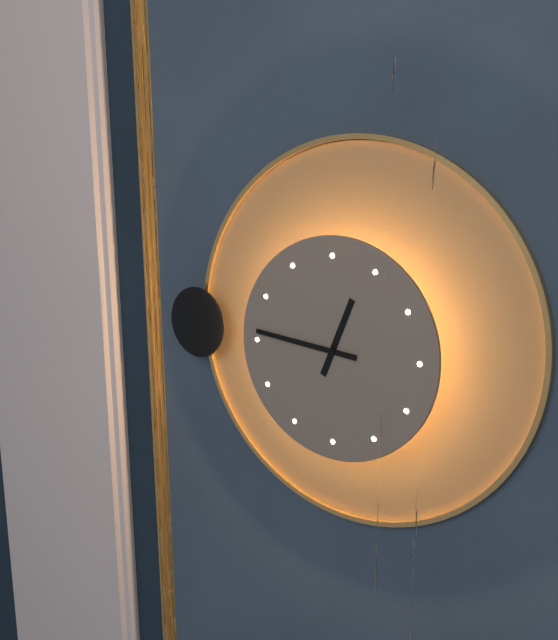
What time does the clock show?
12:46
